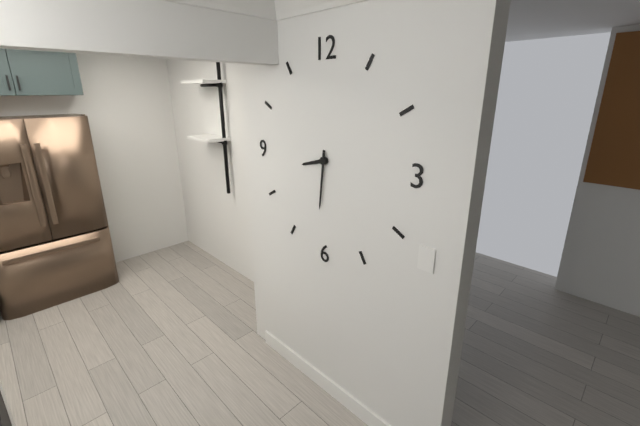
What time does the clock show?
8:31
